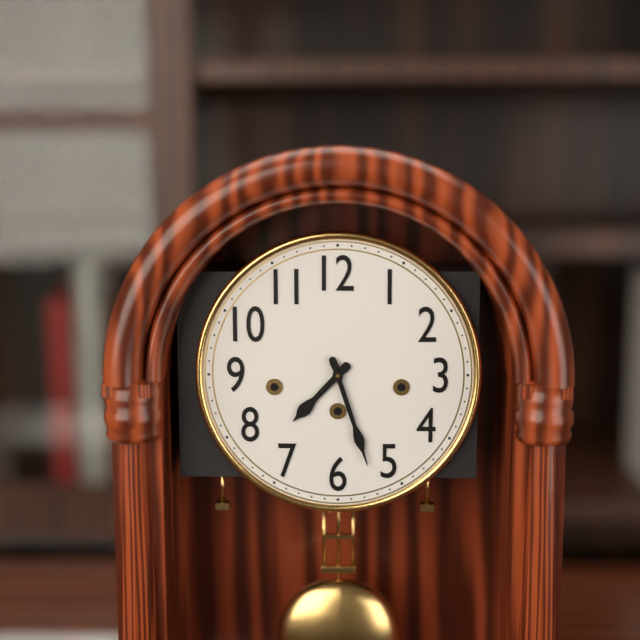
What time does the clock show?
7:27
